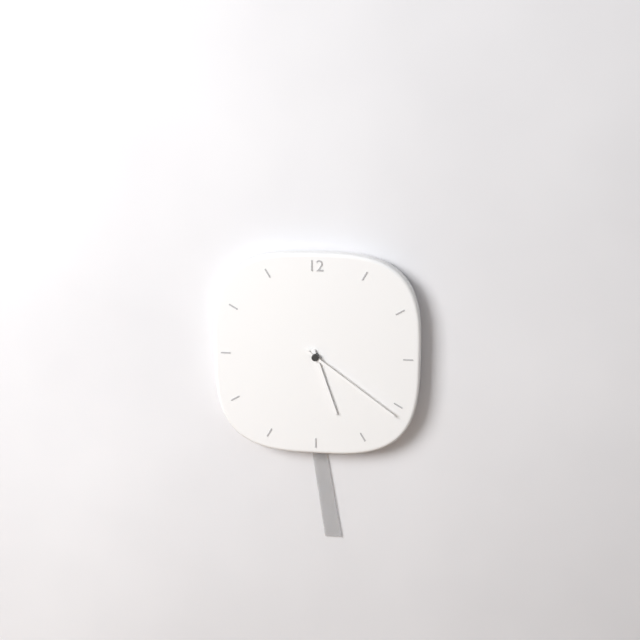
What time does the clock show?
5:21
